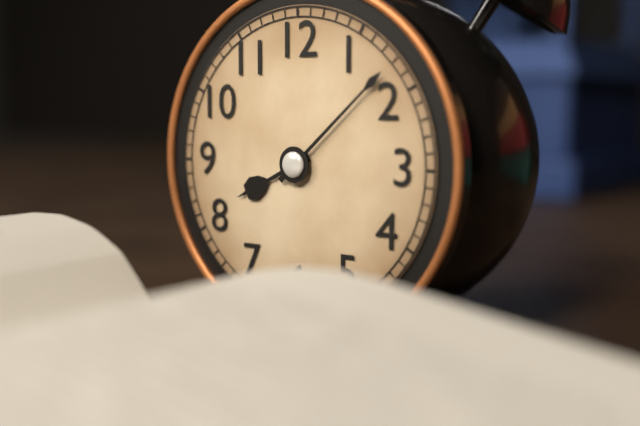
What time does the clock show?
8:08
